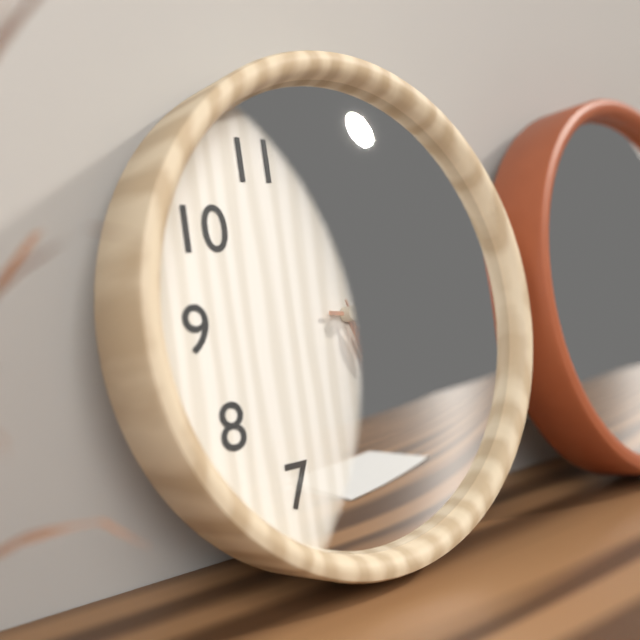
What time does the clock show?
5:16:27
